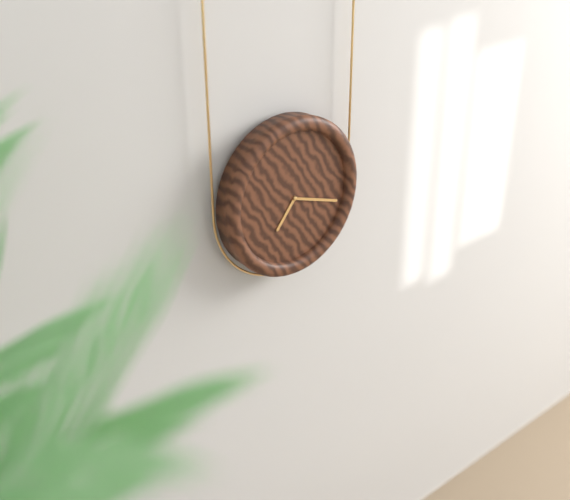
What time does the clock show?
7:18
